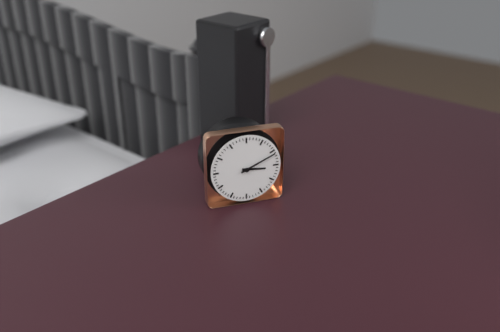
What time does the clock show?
3:11
